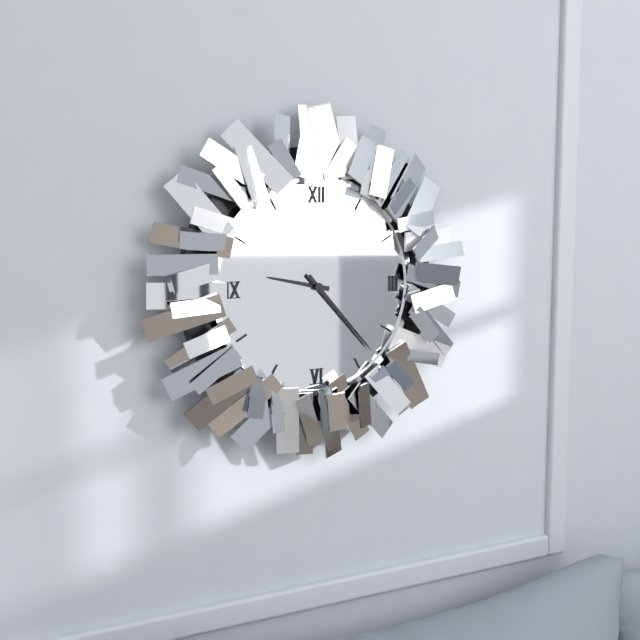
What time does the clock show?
9:23
